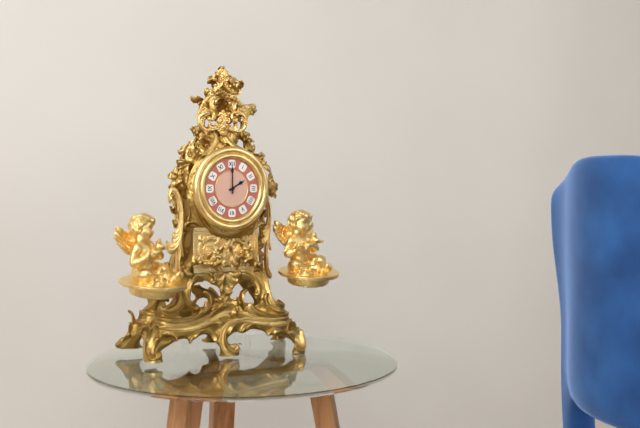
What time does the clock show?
2:00
